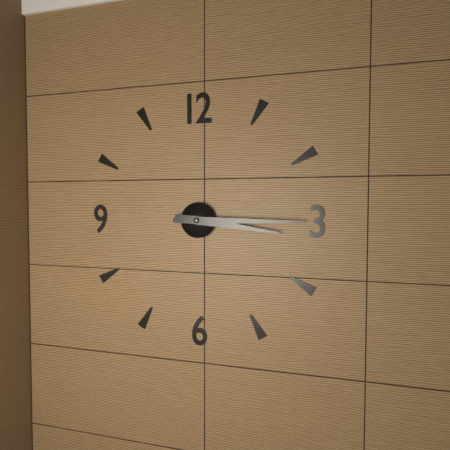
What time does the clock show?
3:15
